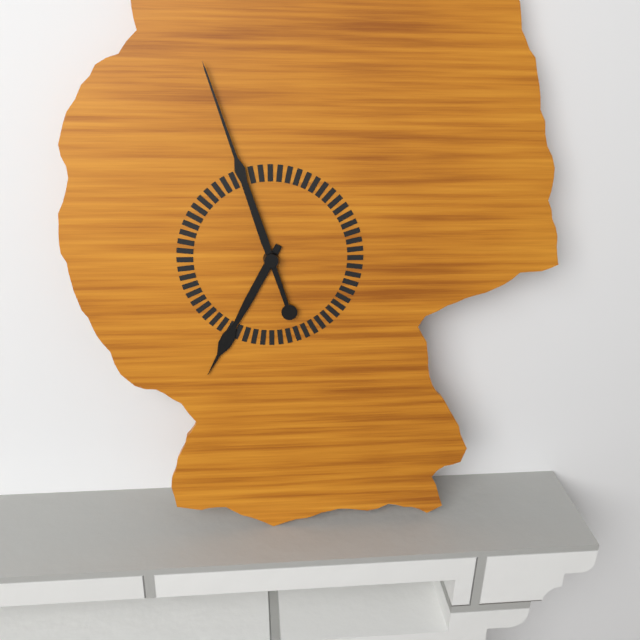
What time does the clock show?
6:57
